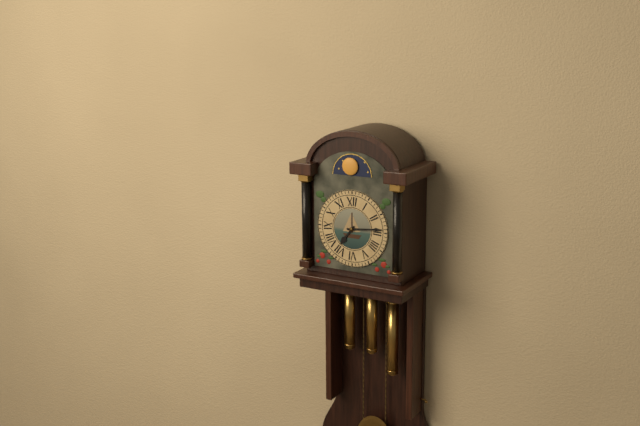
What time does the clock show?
7:14
